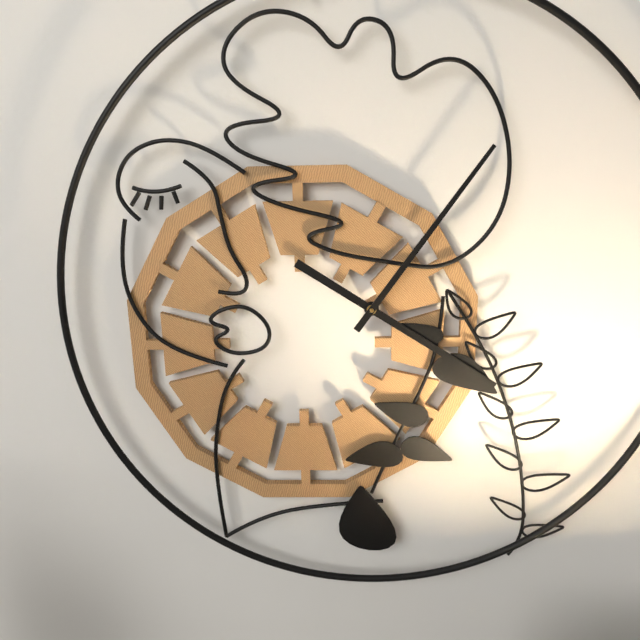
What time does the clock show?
4:06
